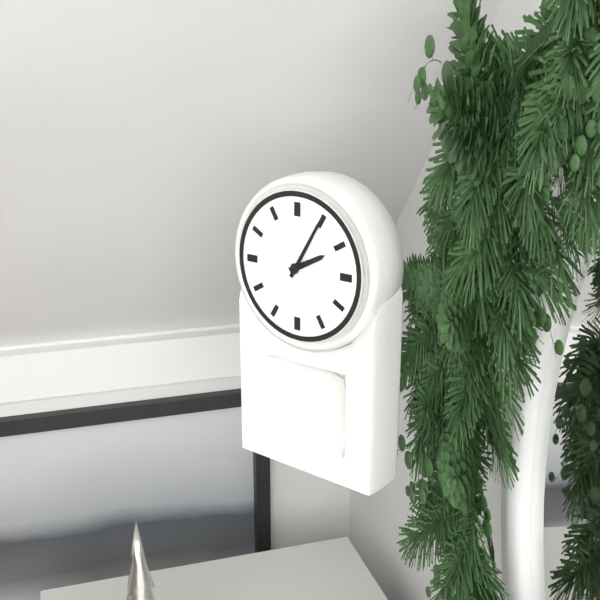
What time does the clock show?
2:05
